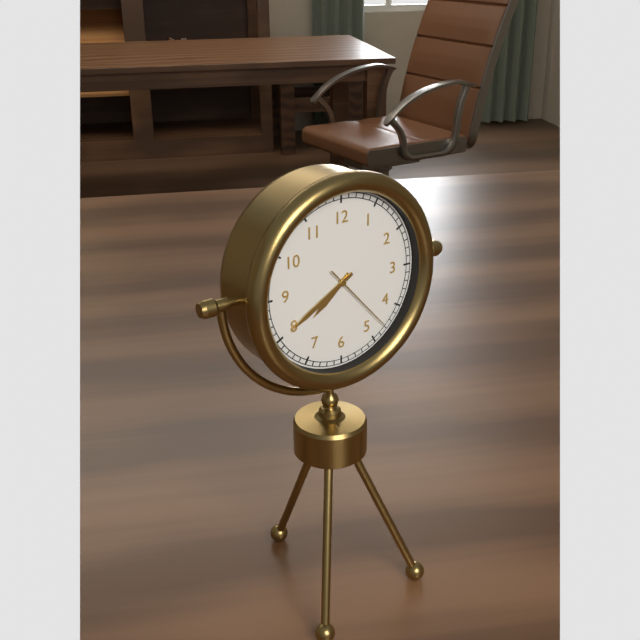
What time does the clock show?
7:40:23
